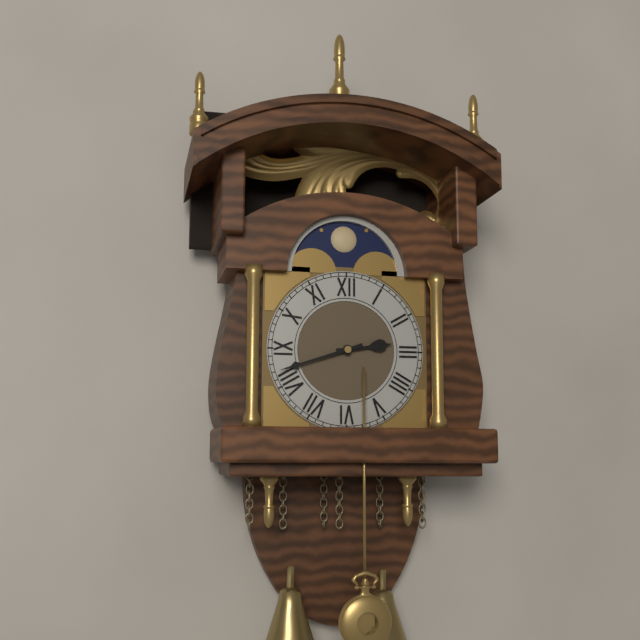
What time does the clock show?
2:42
